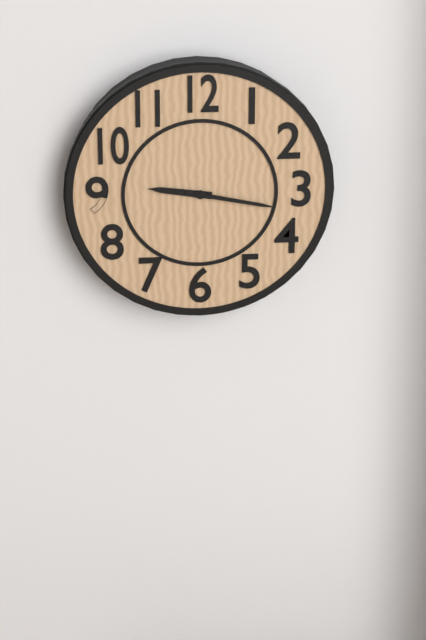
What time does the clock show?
9:17
